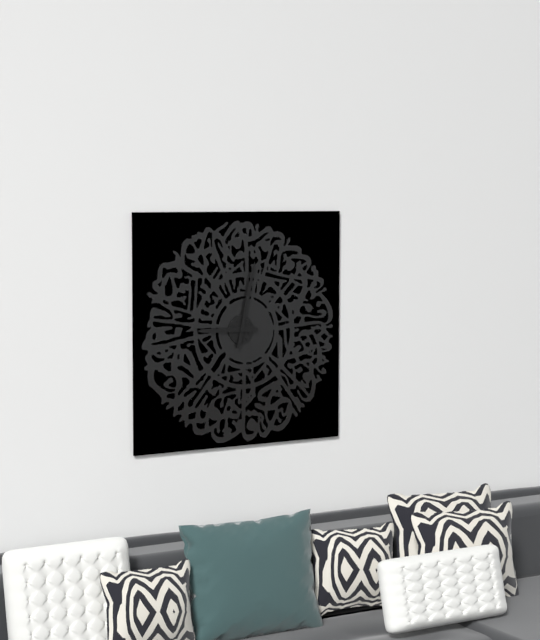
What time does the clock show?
9:02
